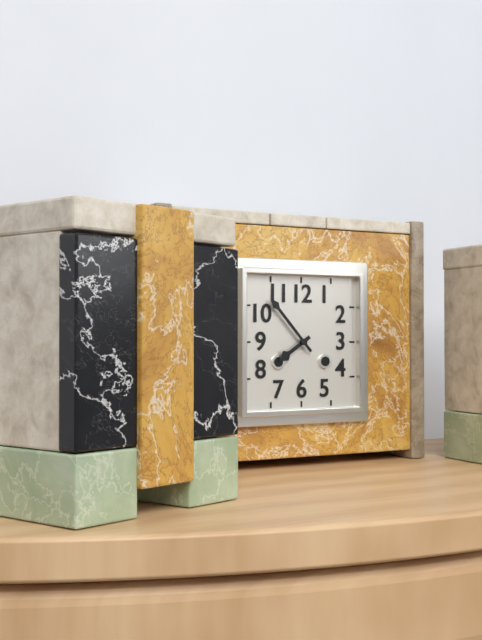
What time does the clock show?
7:53
